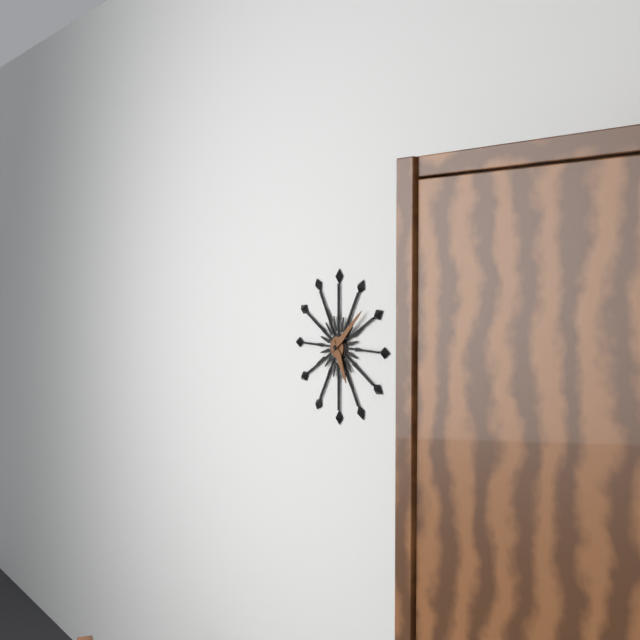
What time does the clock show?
5:08
